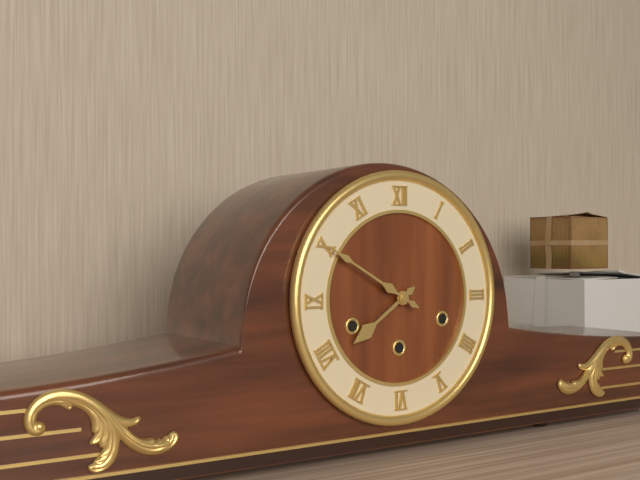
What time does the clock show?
7:50
